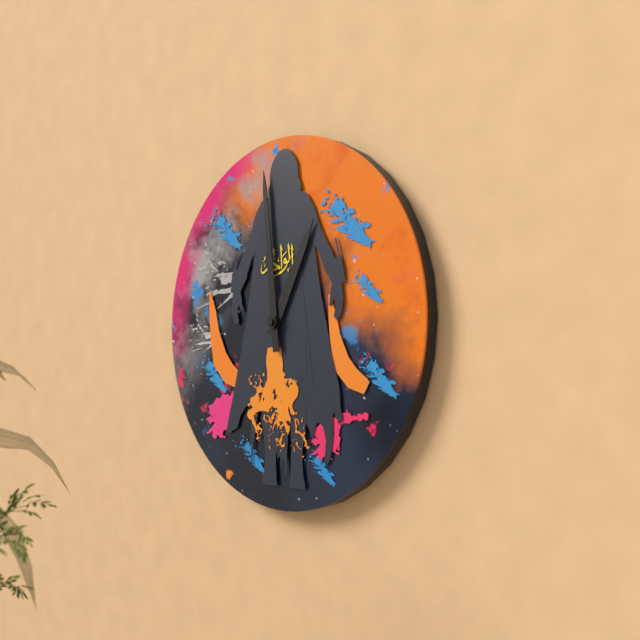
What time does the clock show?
12:59
